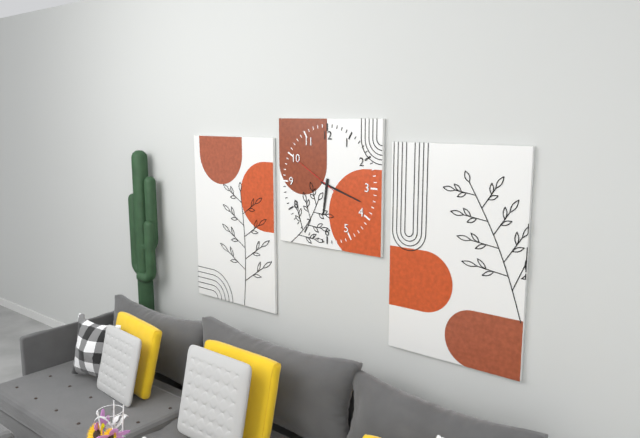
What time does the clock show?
6:18
